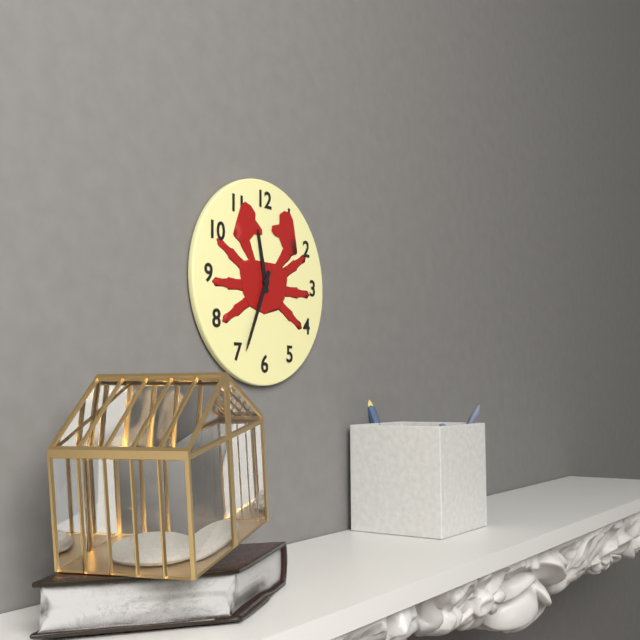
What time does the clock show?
11:34
